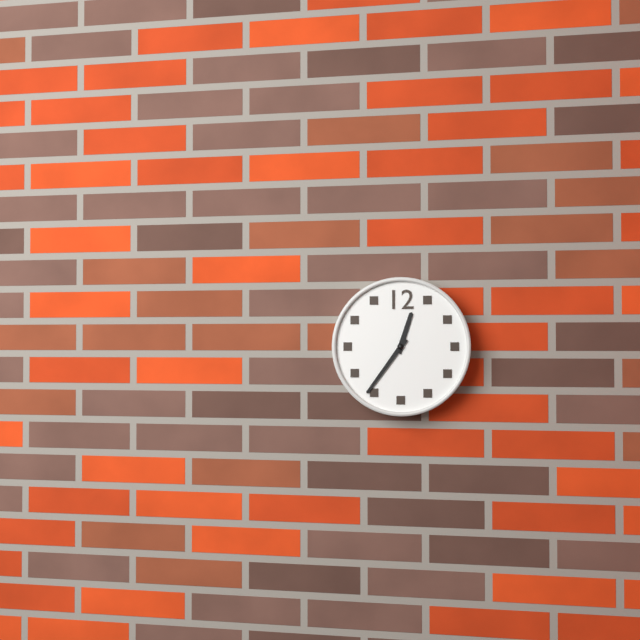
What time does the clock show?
12:36
